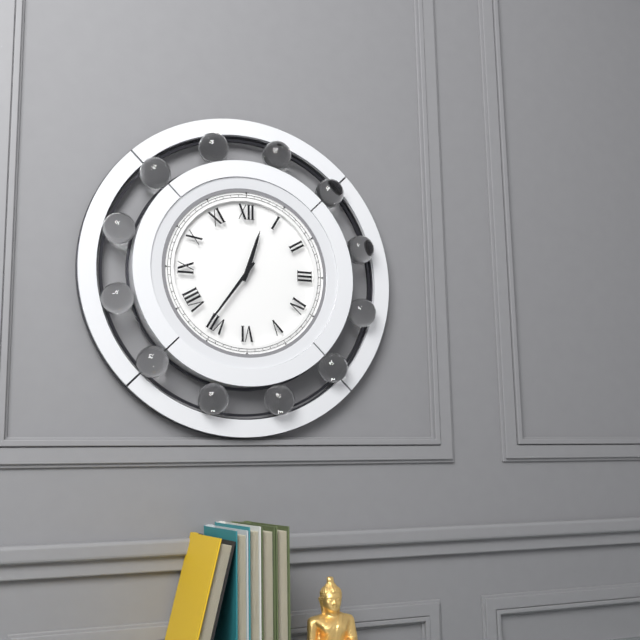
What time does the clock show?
12:36
